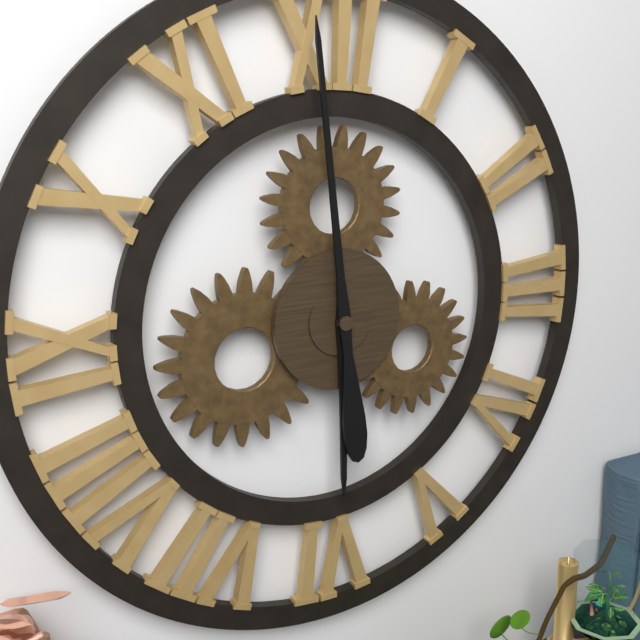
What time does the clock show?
5:59
